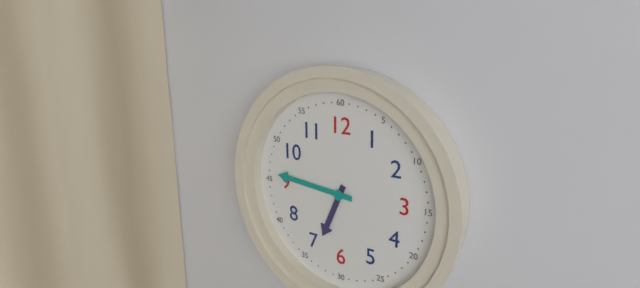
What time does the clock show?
6:46
